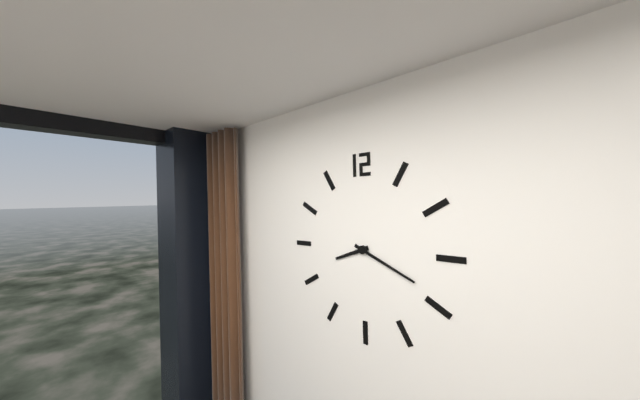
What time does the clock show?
8:19
